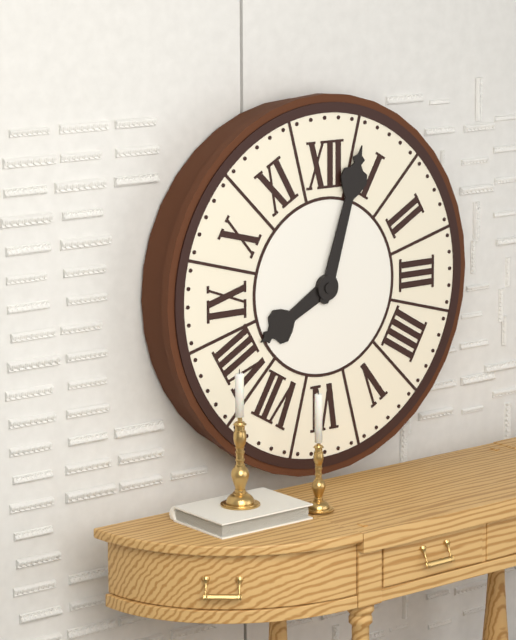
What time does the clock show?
8:03
